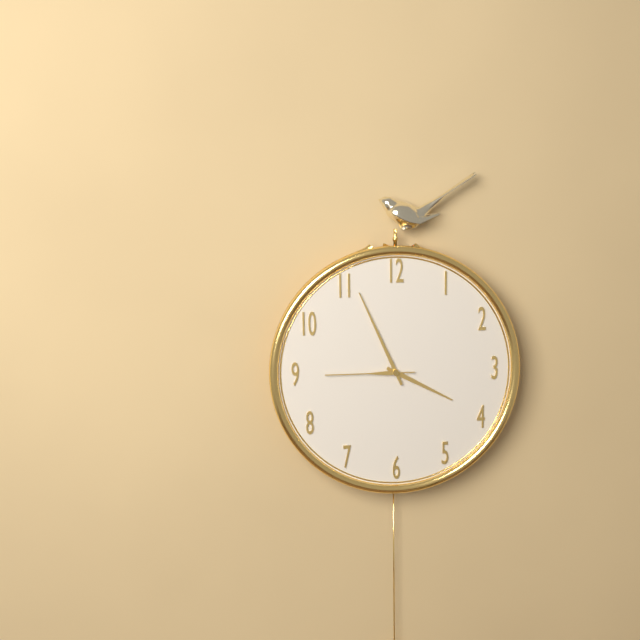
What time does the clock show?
3:56:45
